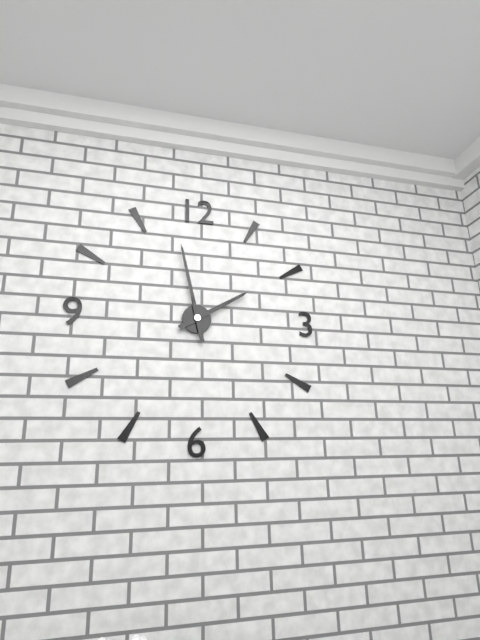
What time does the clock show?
1:58
